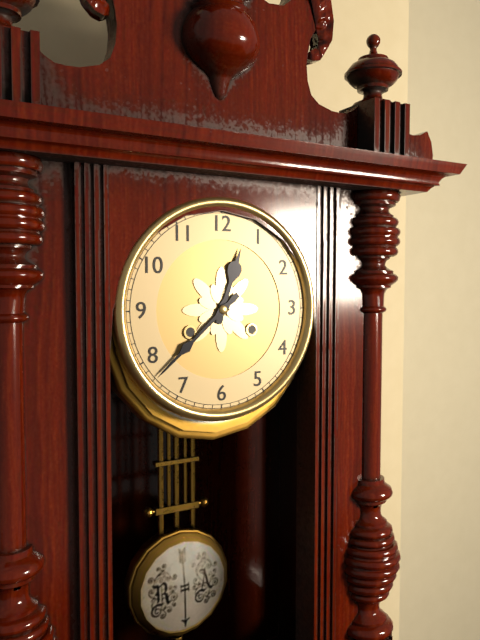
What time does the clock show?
12:38
